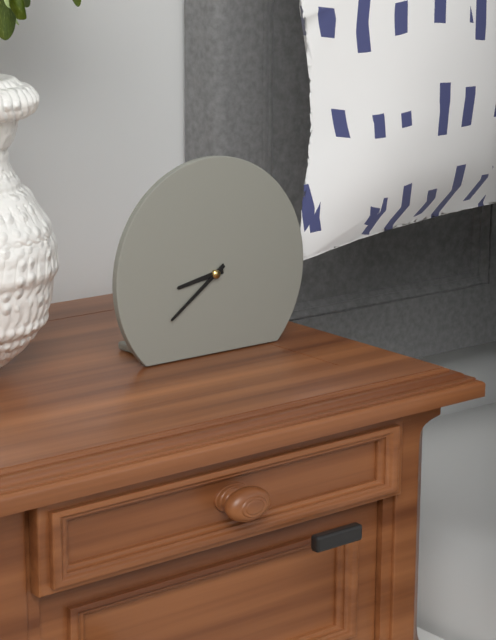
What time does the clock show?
8:39
